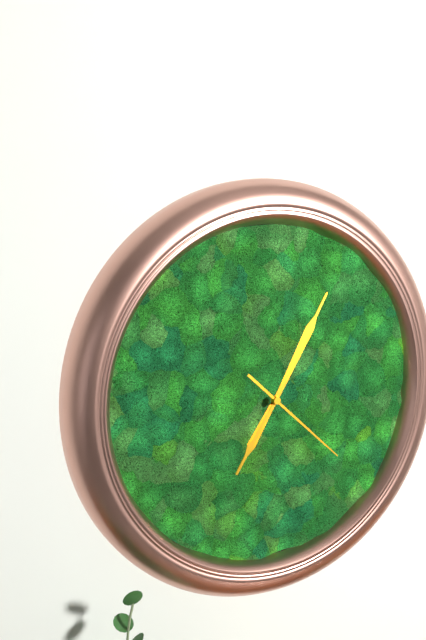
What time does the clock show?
7:05:22
